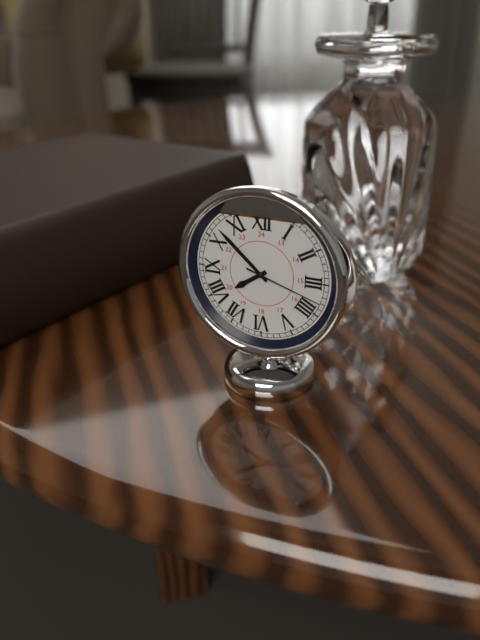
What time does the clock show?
7:52:18
